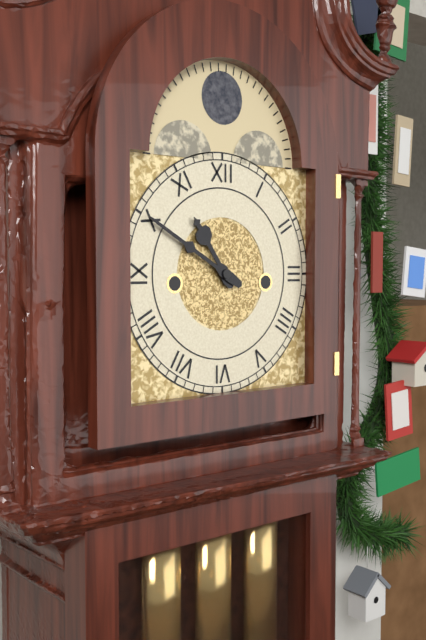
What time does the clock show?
10:50
